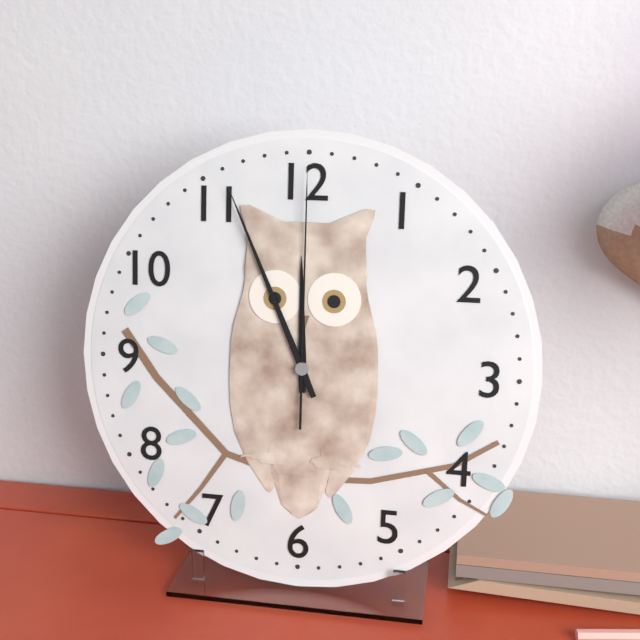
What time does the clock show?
11:56:00
